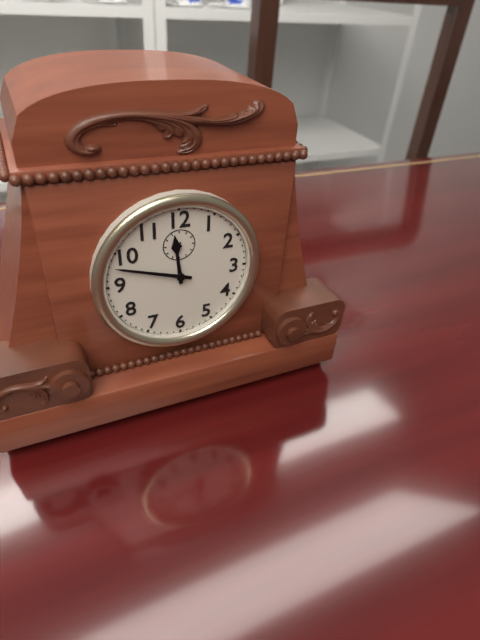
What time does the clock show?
11:48
